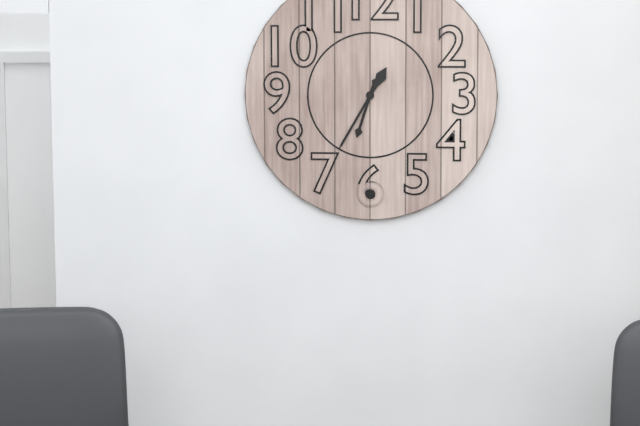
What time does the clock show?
6:35
